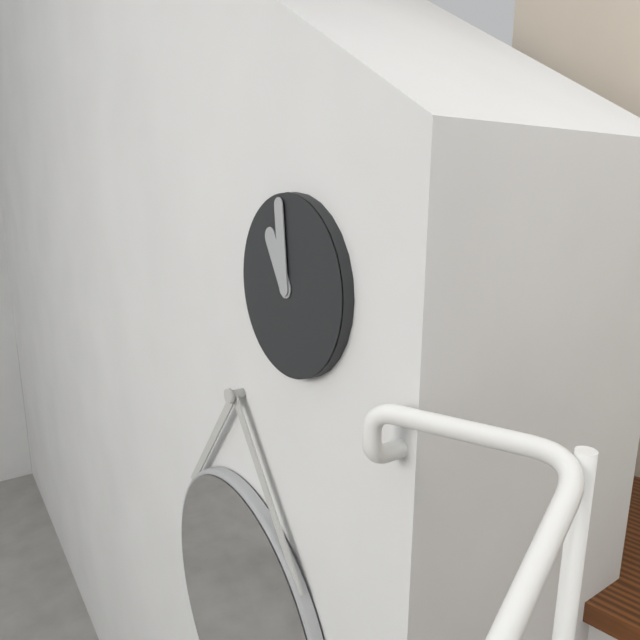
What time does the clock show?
10:59
